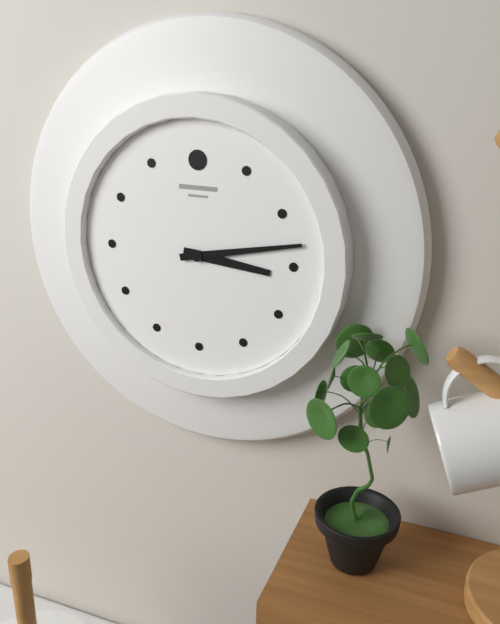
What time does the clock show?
3:13
